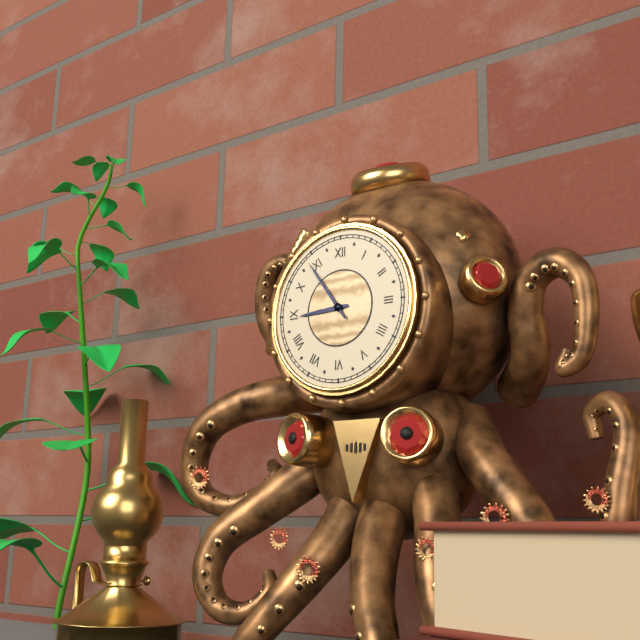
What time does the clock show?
8:54
